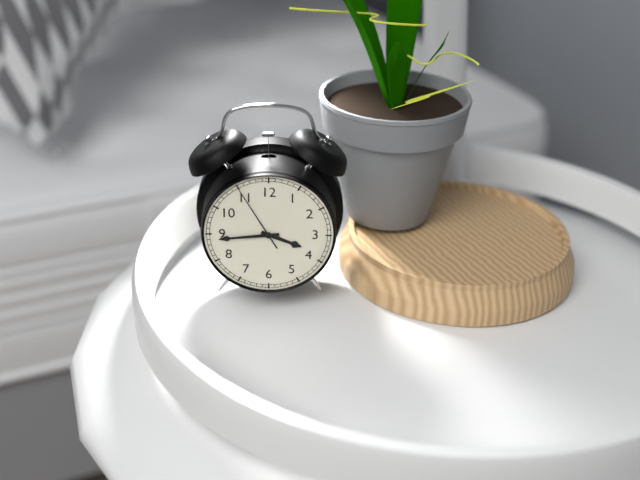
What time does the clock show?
3:44:55
